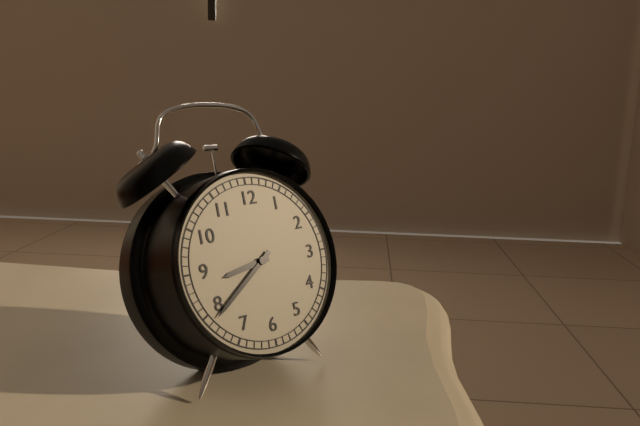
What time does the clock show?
8:39
